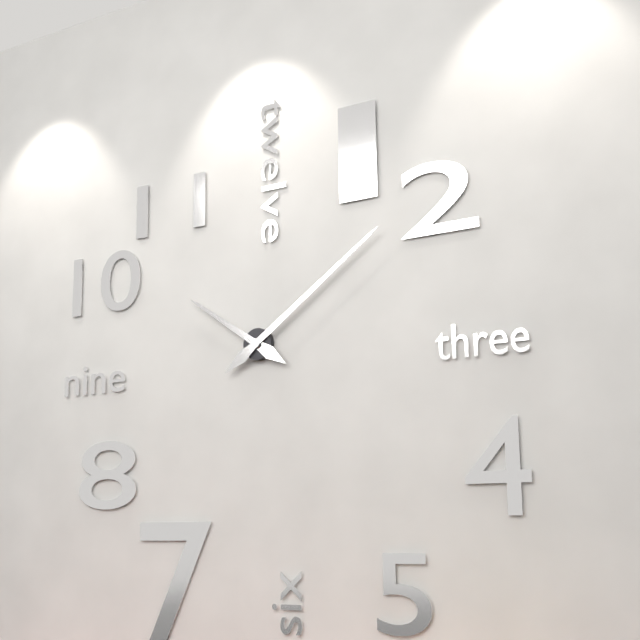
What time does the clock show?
10:09
